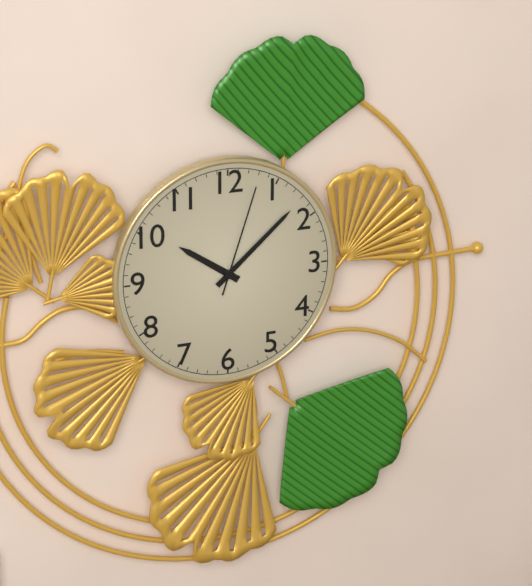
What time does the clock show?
10:08:03
